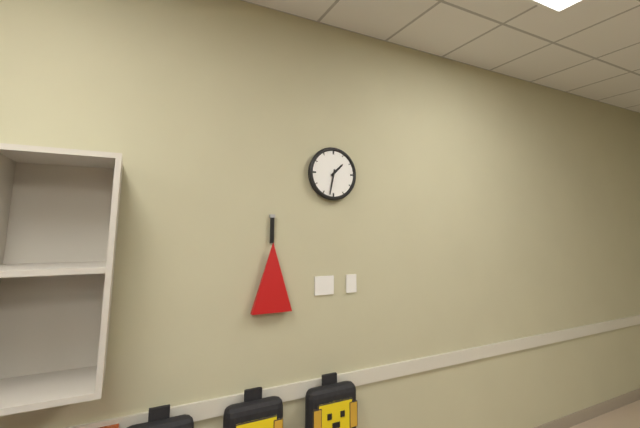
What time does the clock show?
1:32
